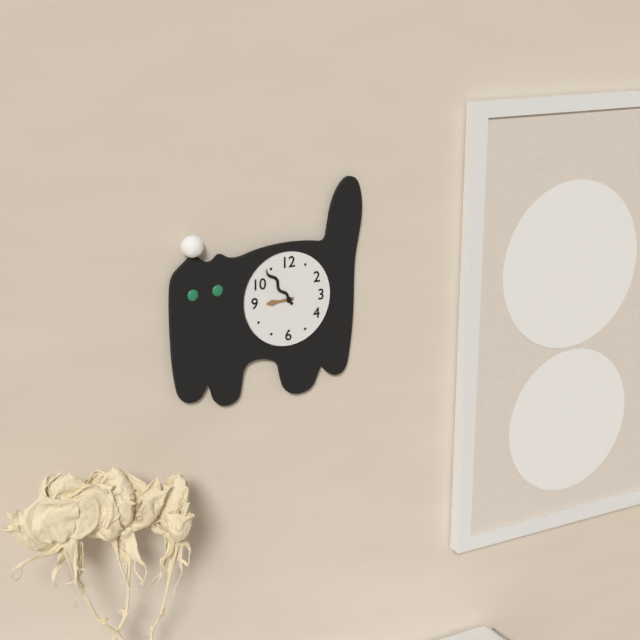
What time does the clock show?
8:54
